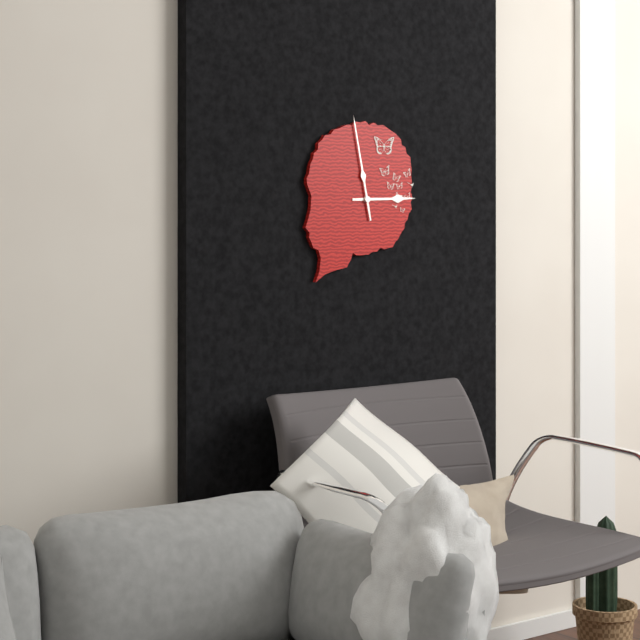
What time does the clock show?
2:58
